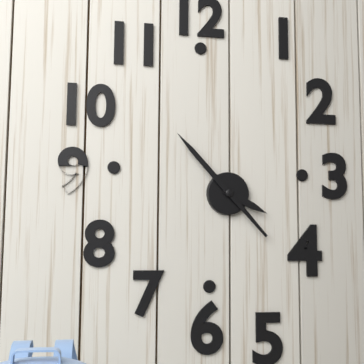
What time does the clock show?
3:53
